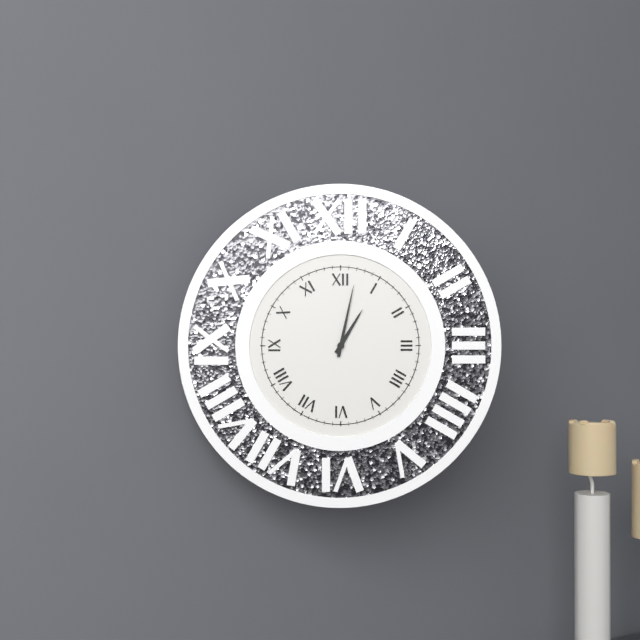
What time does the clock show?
1:02
